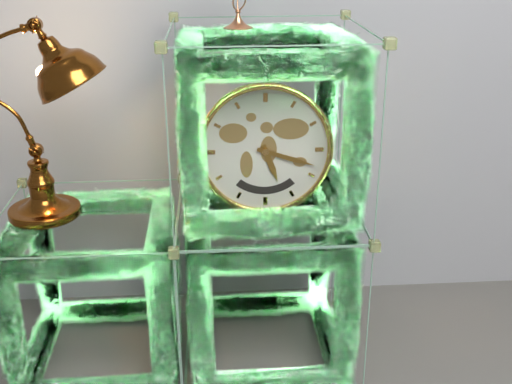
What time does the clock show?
5:18
